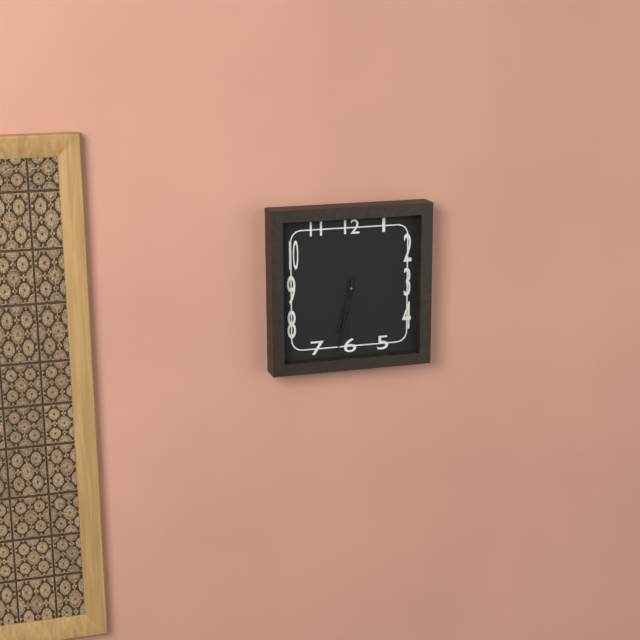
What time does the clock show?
6:32:31
